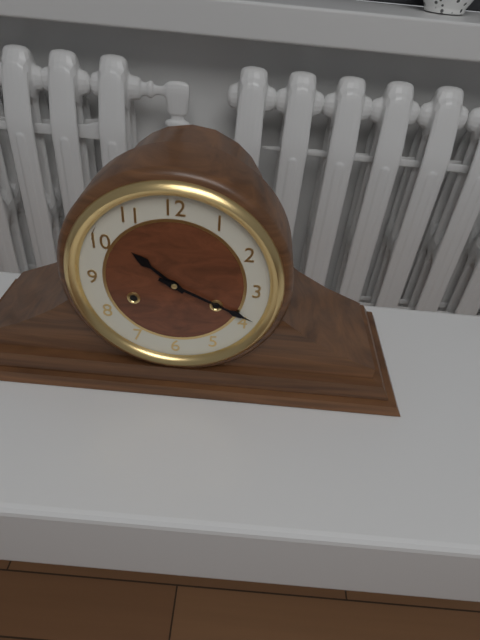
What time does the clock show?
10:19
